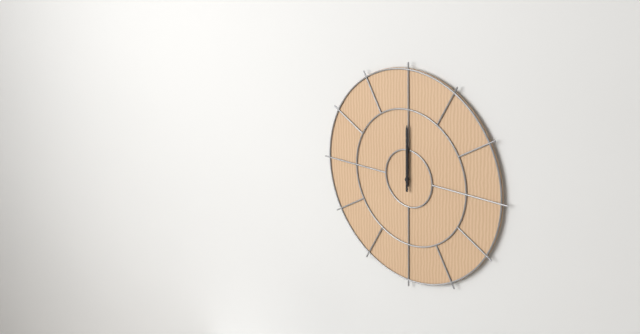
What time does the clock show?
12:00
